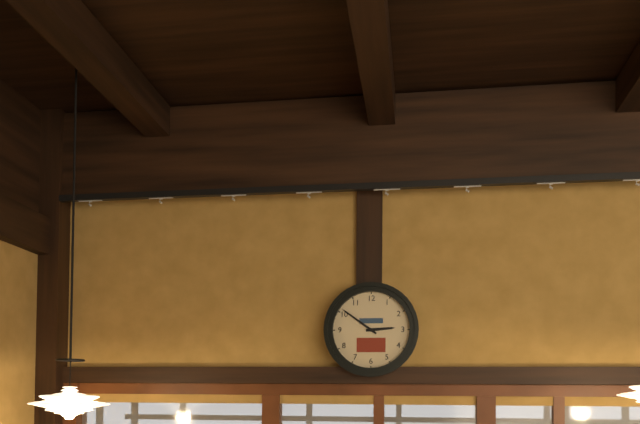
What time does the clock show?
2:51
